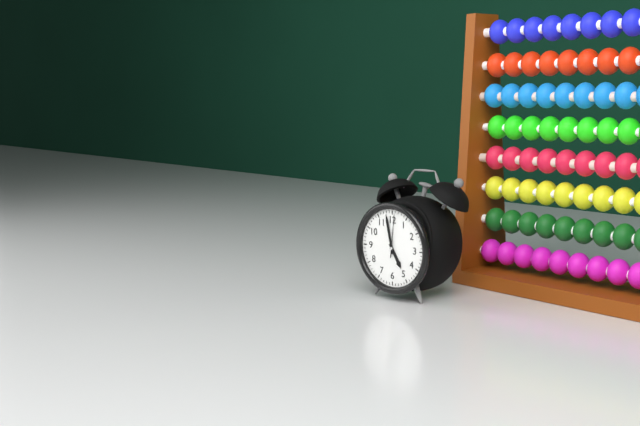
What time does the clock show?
4:58
